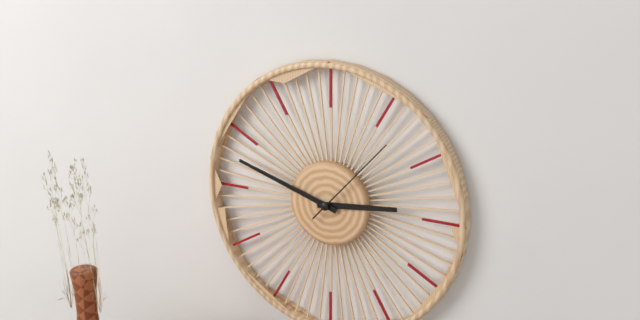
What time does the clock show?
2:48:07
